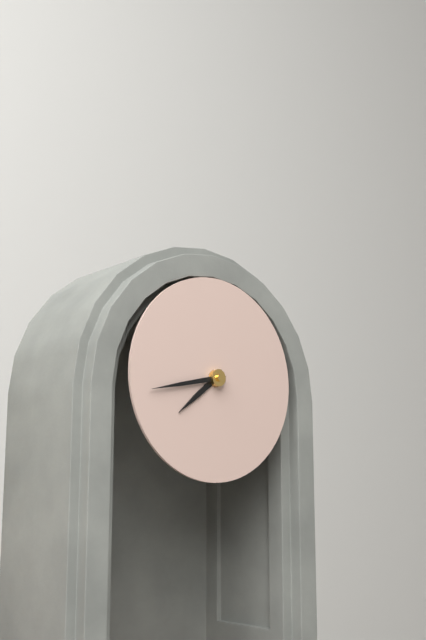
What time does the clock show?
7:43
